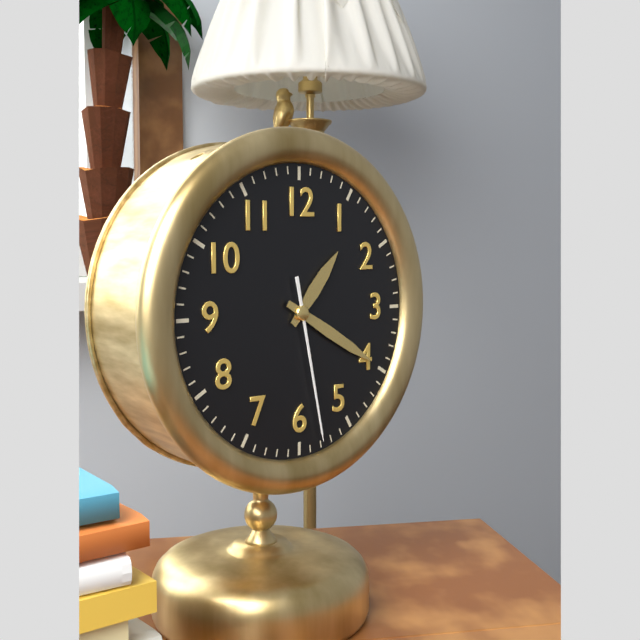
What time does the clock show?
1:20:28
